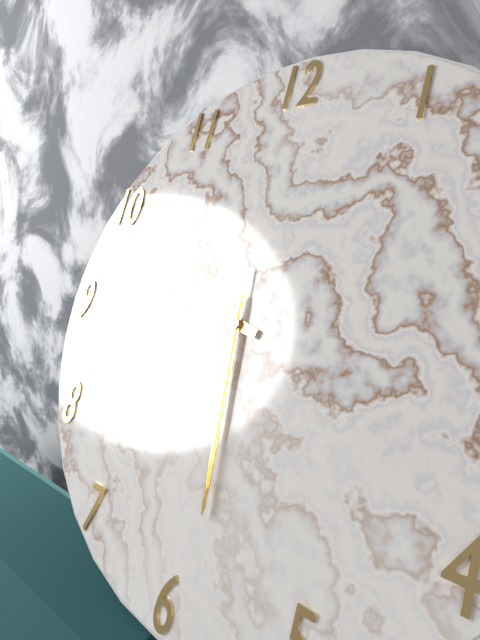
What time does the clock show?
9:29:29
